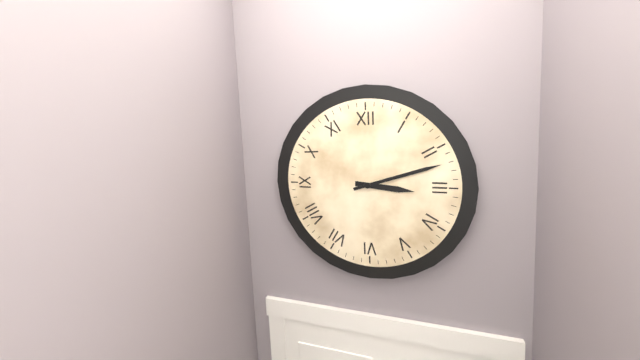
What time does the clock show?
3:12
